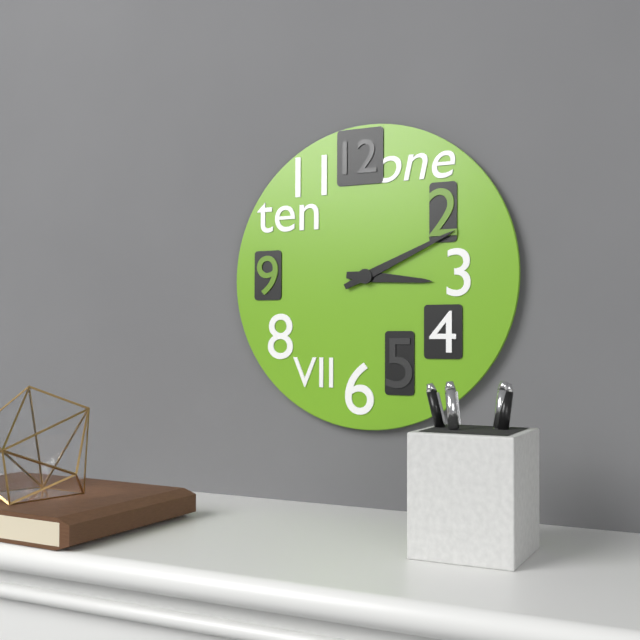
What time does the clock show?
3:11
